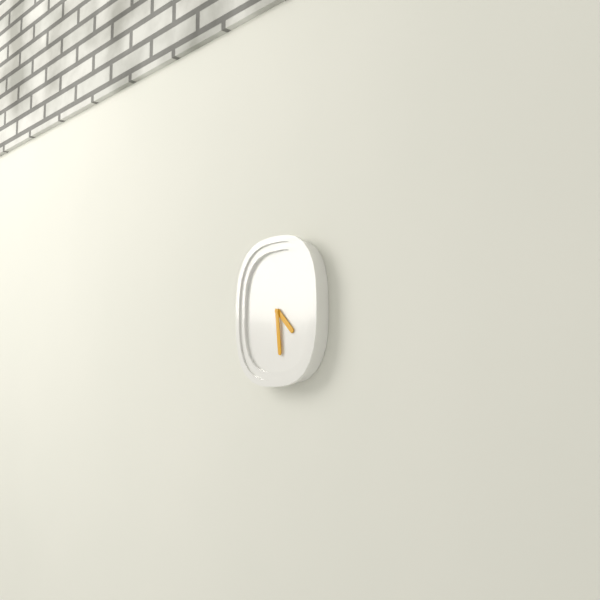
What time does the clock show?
4:29
